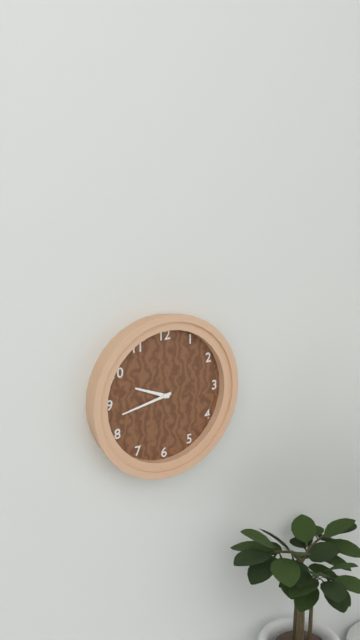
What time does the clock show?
9:43
